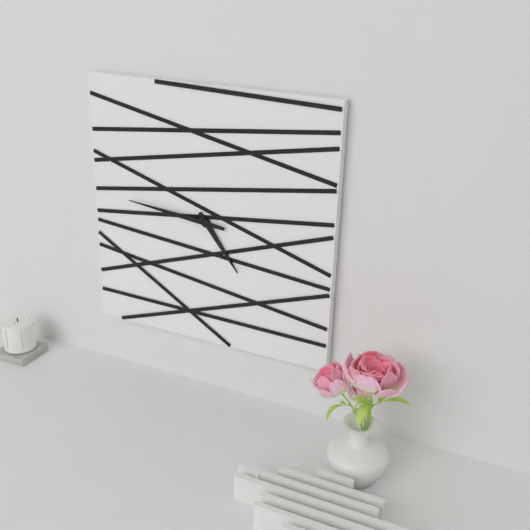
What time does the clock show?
4:46
